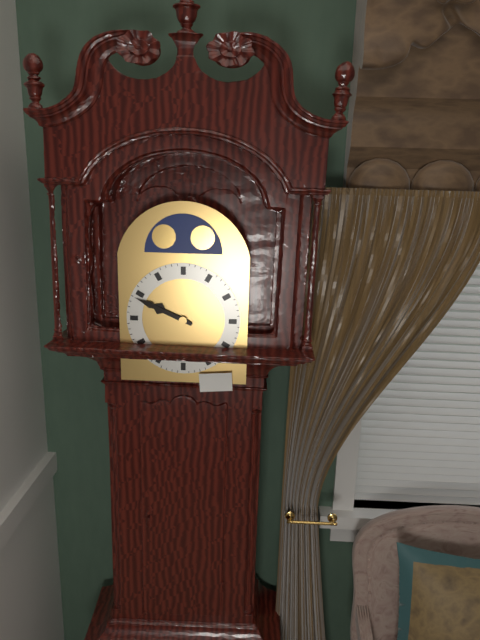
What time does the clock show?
9:49
